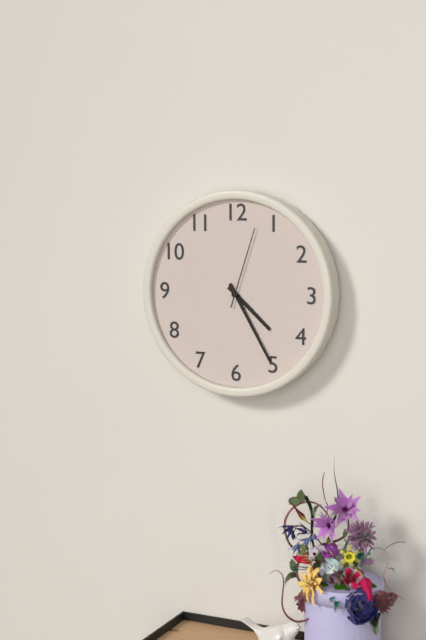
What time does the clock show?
4:25:03
